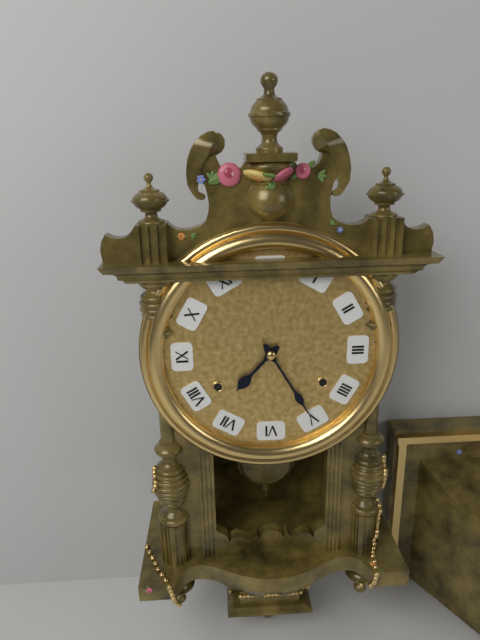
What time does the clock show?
7:25
